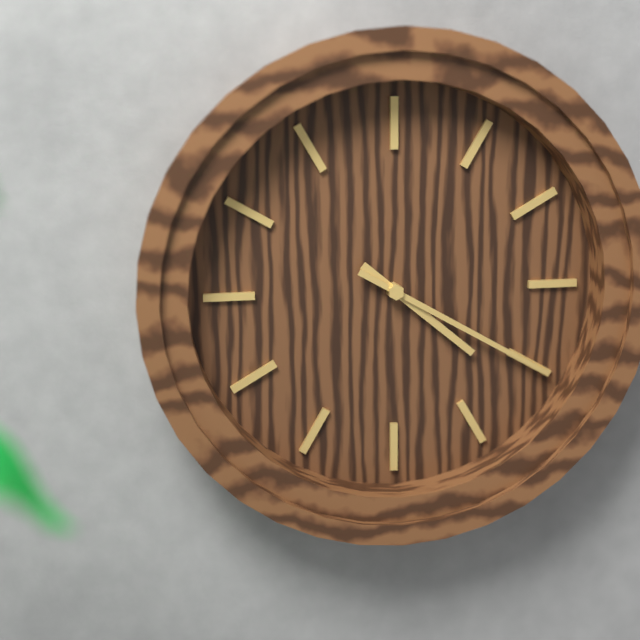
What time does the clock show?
4:20
